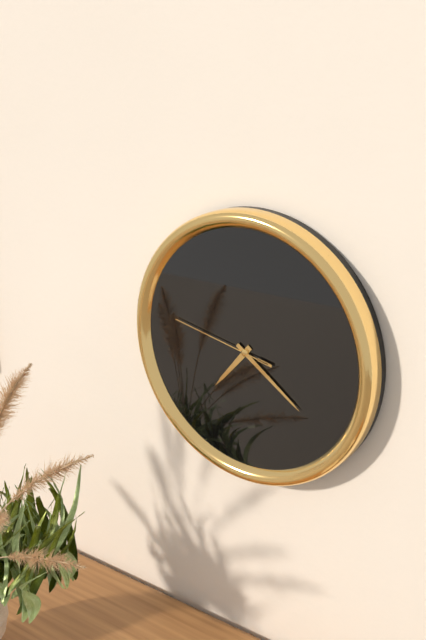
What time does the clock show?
7:21:47
